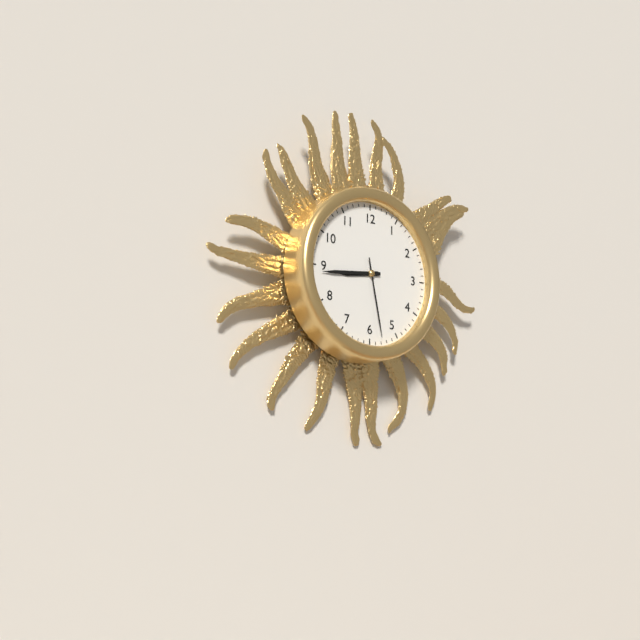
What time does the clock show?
8:44:28
